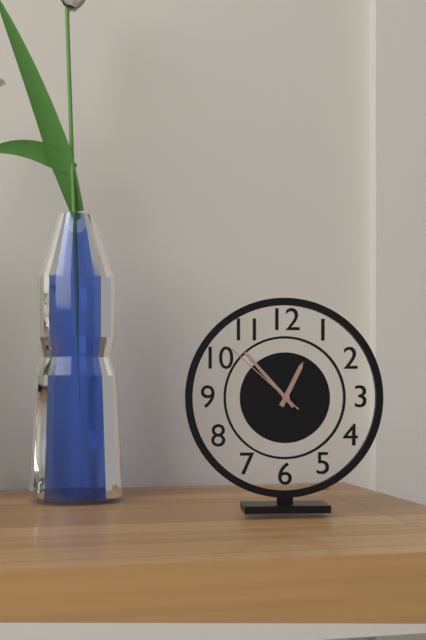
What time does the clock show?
12:53:52
